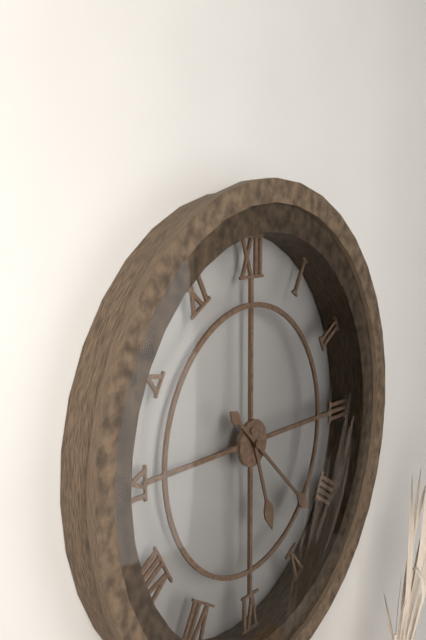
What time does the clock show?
5:22
